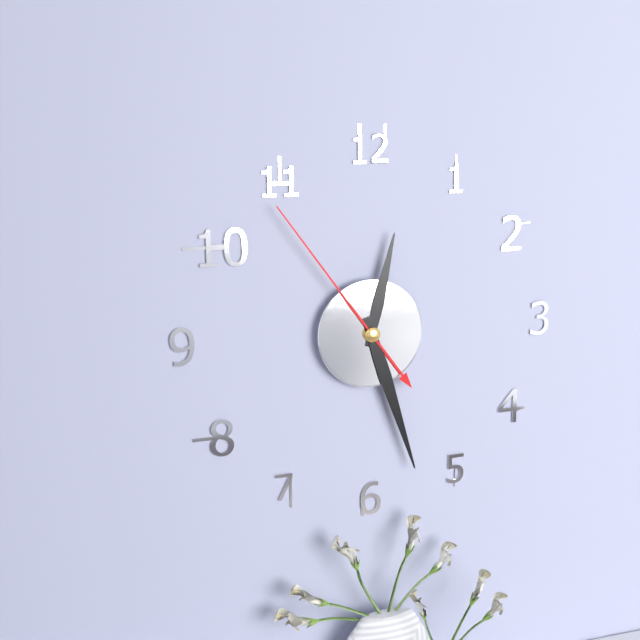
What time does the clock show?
12:27:54
